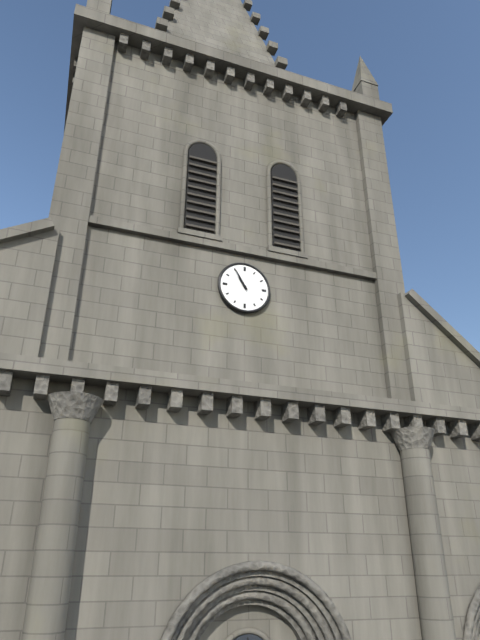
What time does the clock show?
10:55
